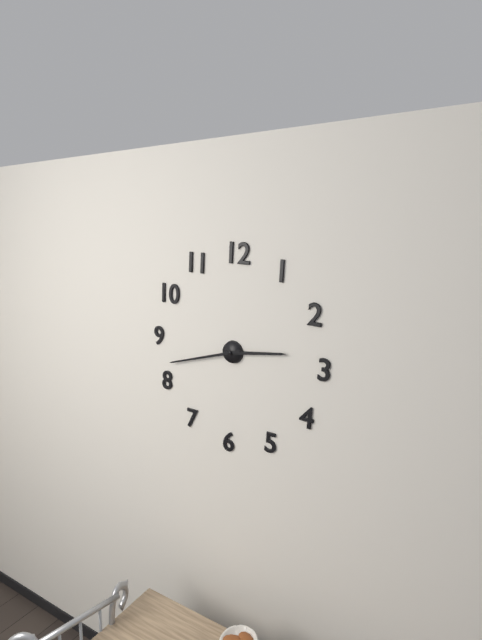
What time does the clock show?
2:42
